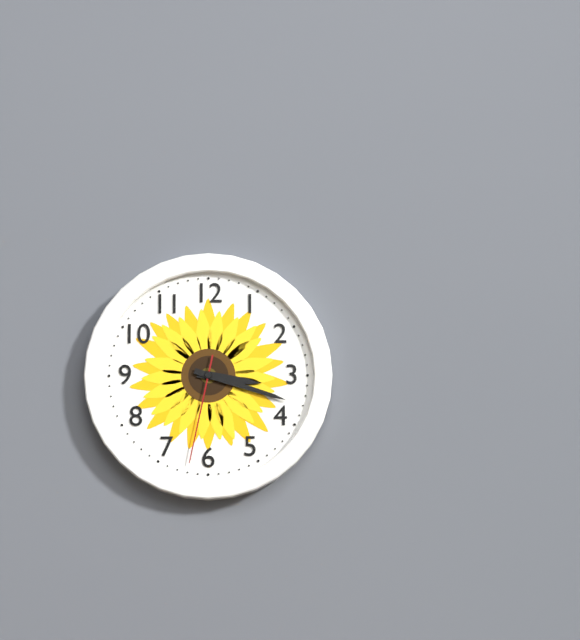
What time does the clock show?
3:18:32
